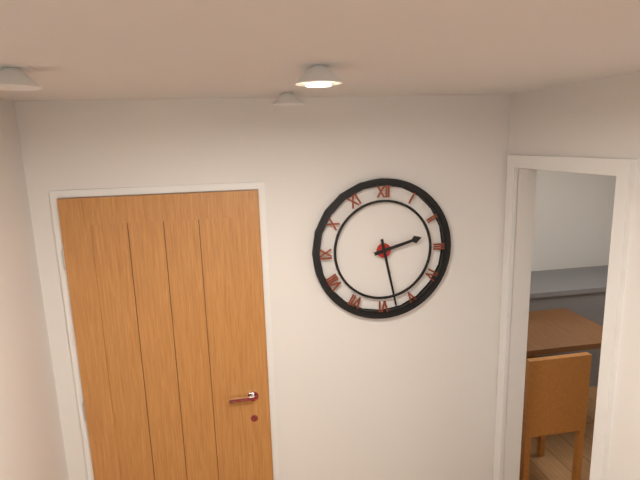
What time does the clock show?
2:28
